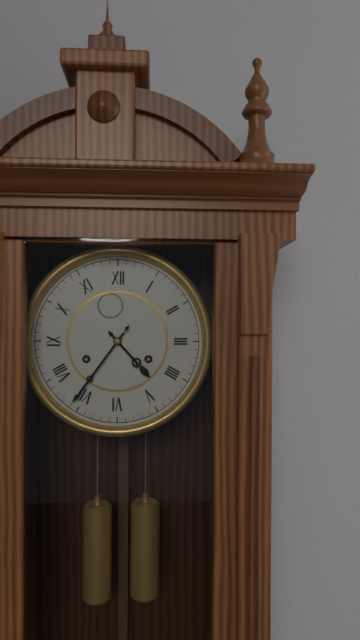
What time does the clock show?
4:36
